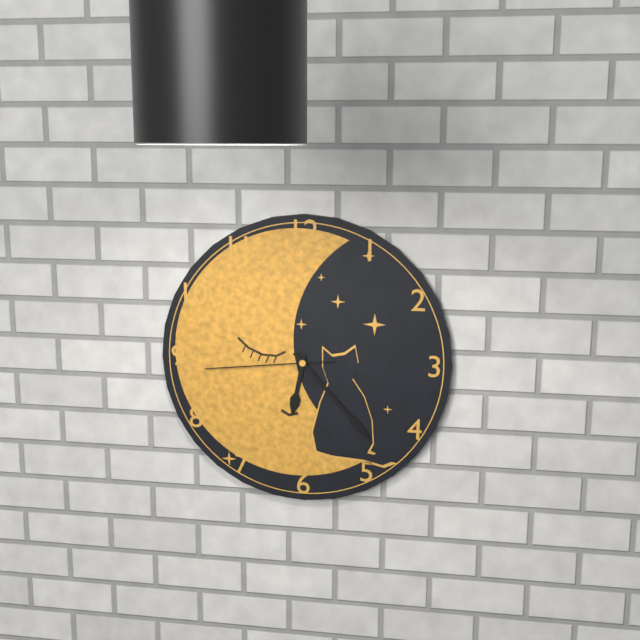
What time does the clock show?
6:23:44
